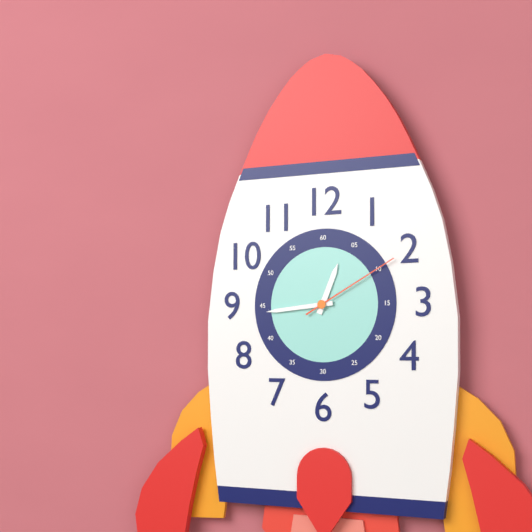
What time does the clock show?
12:44:10
